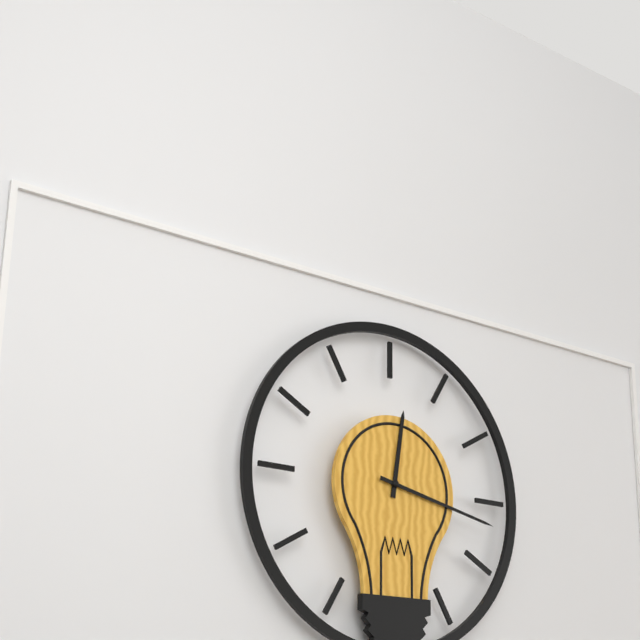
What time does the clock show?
12:17
